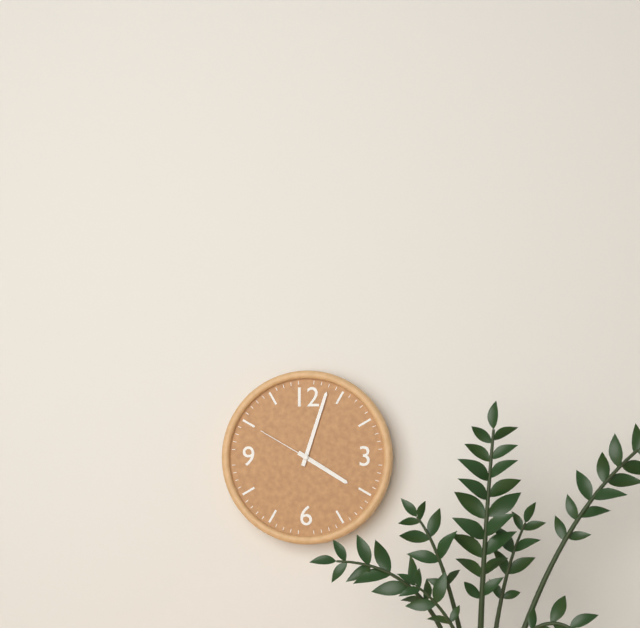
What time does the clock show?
4:03:50
